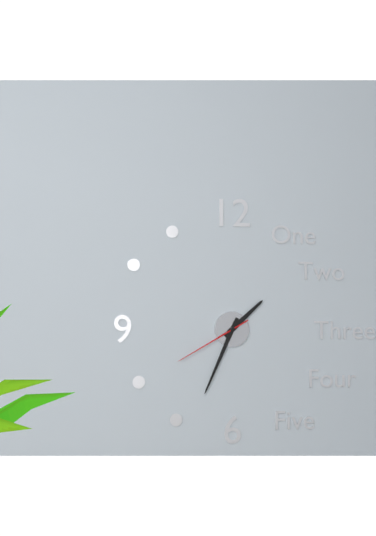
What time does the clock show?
1:34:40
